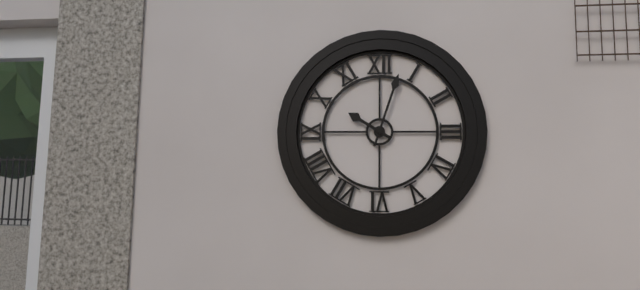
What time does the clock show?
10:03
